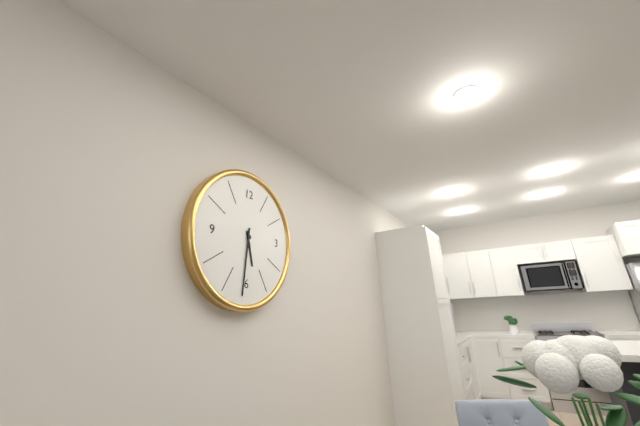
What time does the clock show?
5:31
